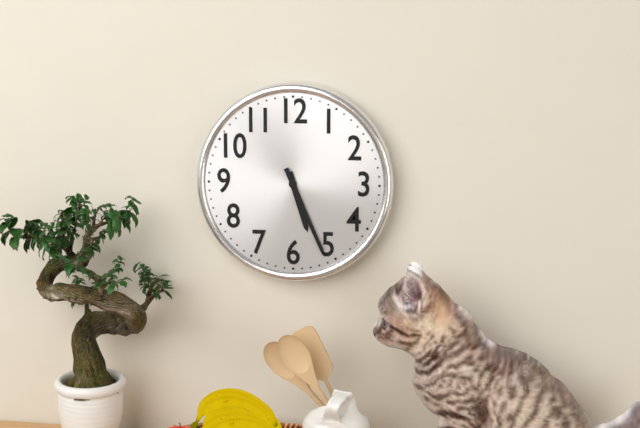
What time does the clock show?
5:26
